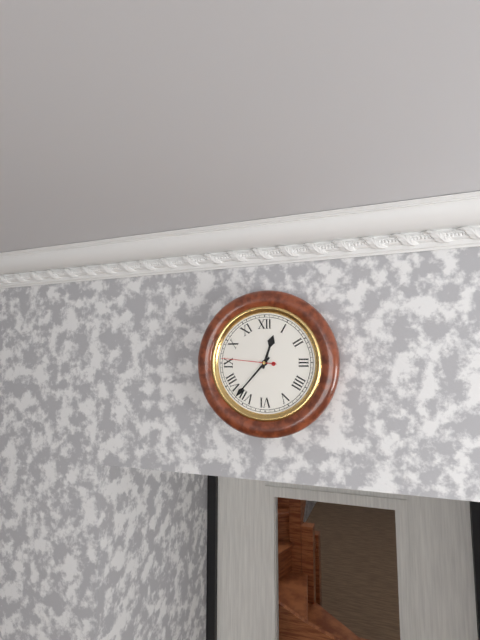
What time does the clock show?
12:37:46
